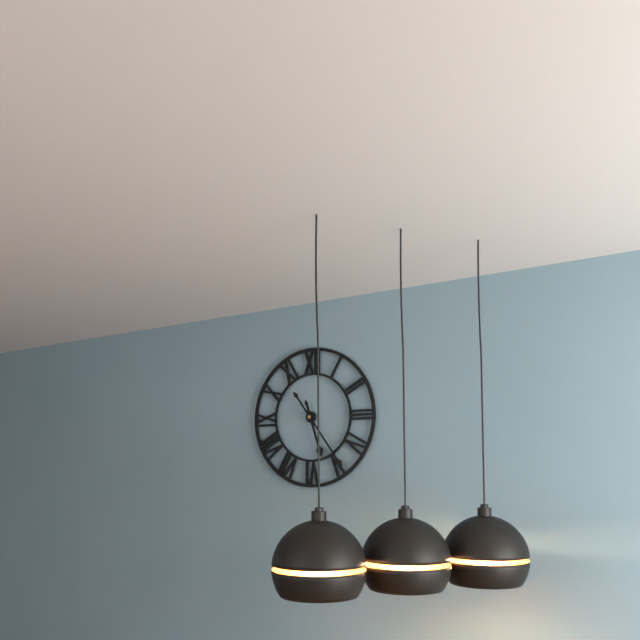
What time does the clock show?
5:24
